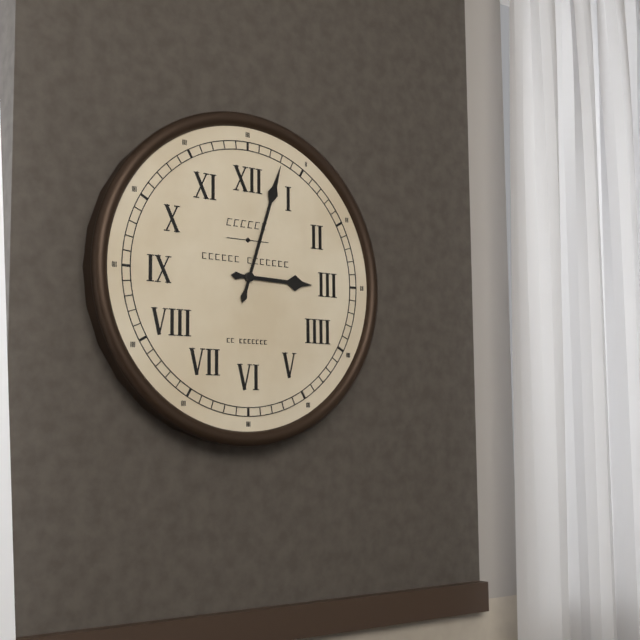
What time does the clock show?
3:03
